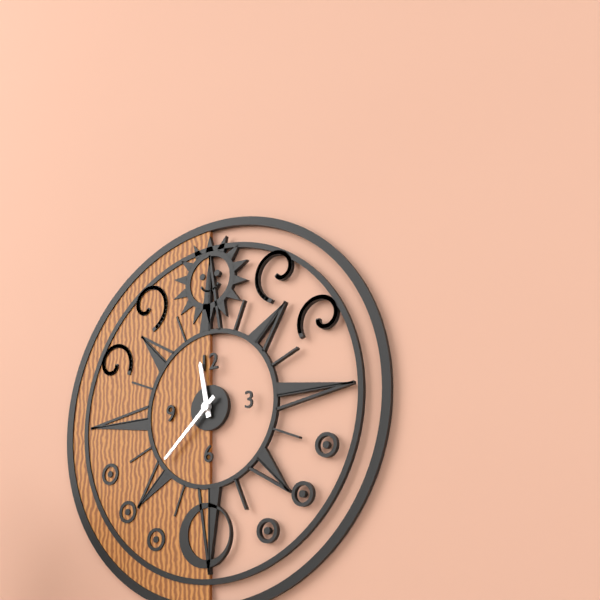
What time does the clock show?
11:38
